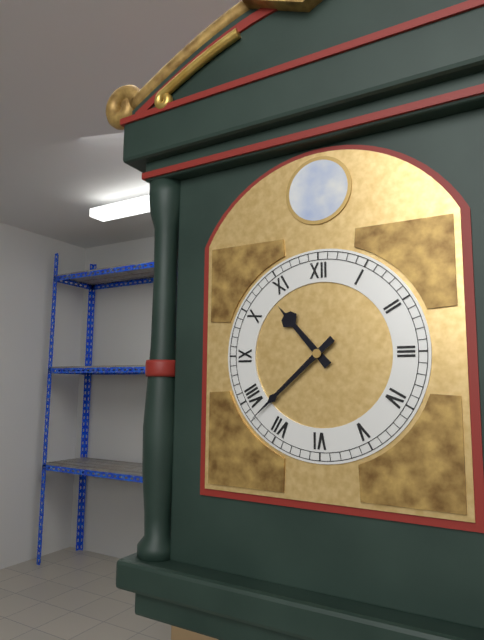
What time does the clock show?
10:38
